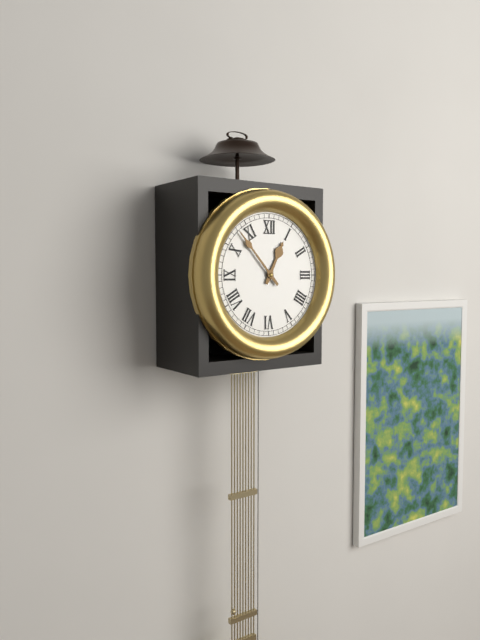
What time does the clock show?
12:53
